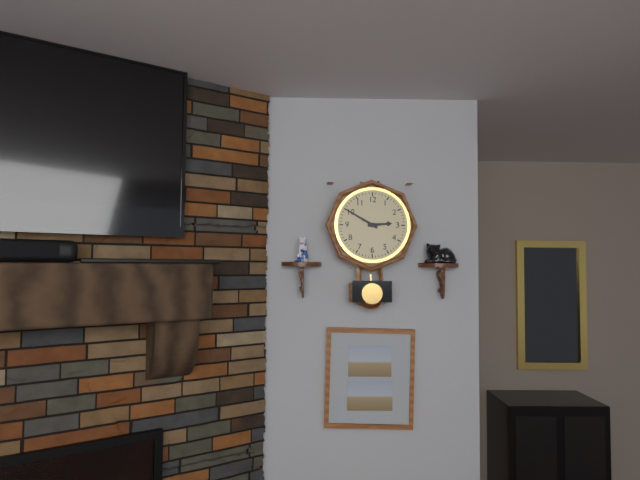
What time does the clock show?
2:50
